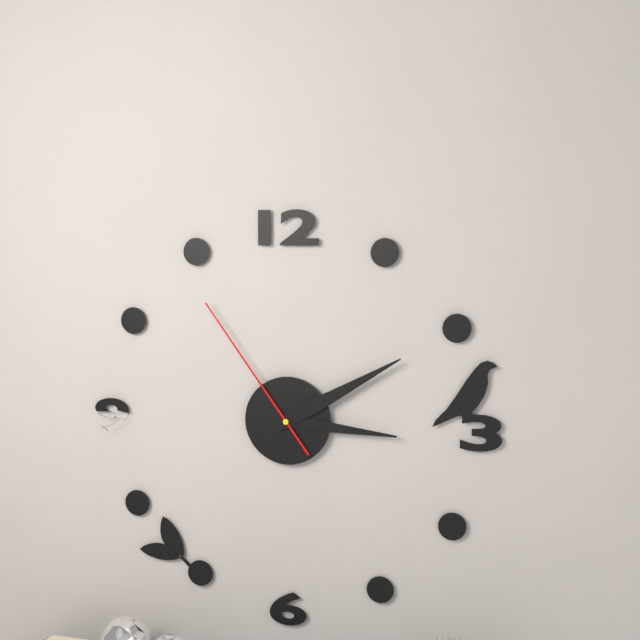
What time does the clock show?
3:10:54
